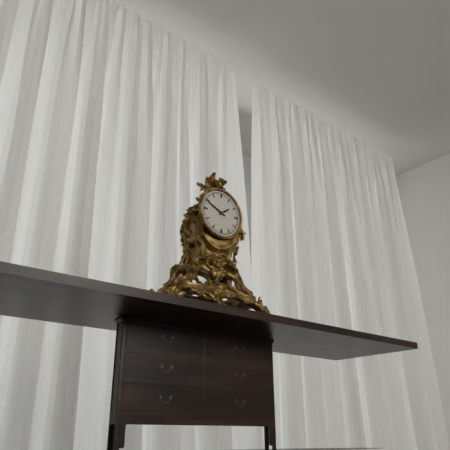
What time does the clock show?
1:49
